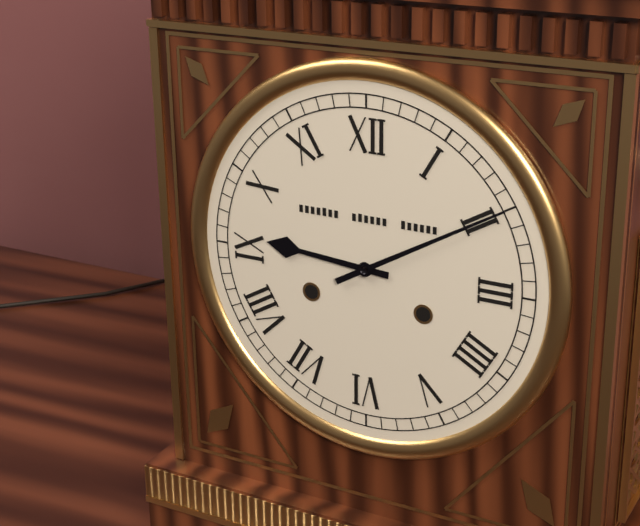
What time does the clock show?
9:10
